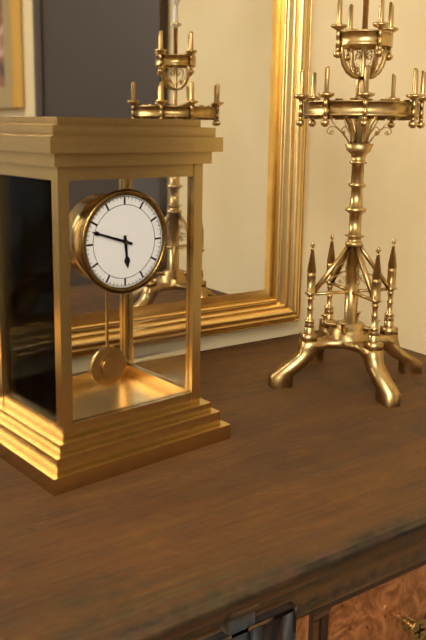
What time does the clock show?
5:48
